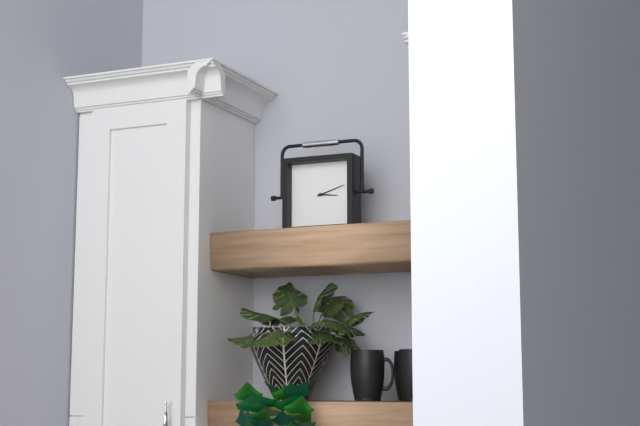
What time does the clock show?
3:12
